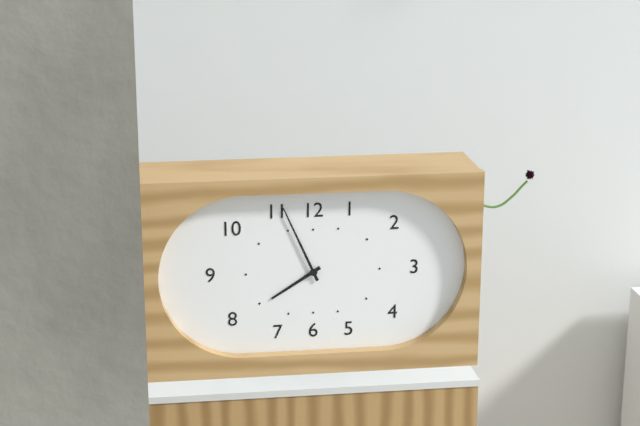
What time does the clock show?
7:56
